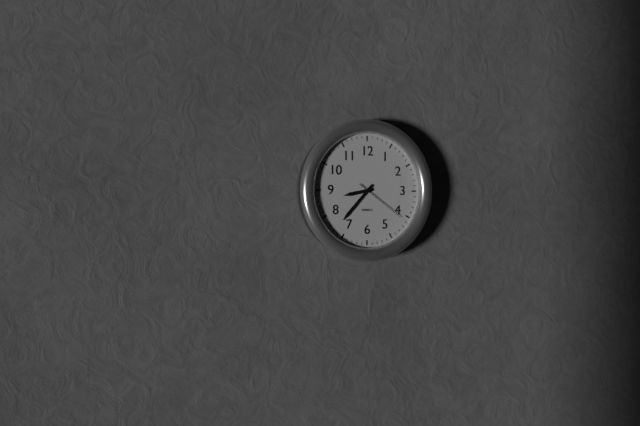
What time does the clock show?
8:37:21
